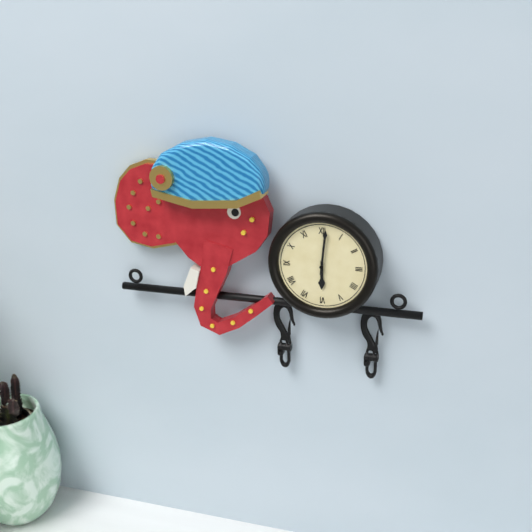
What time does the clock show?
6:01
